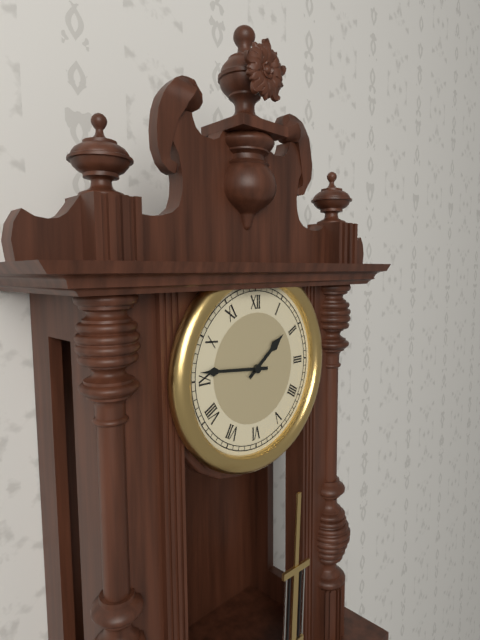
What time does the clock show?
1:46
